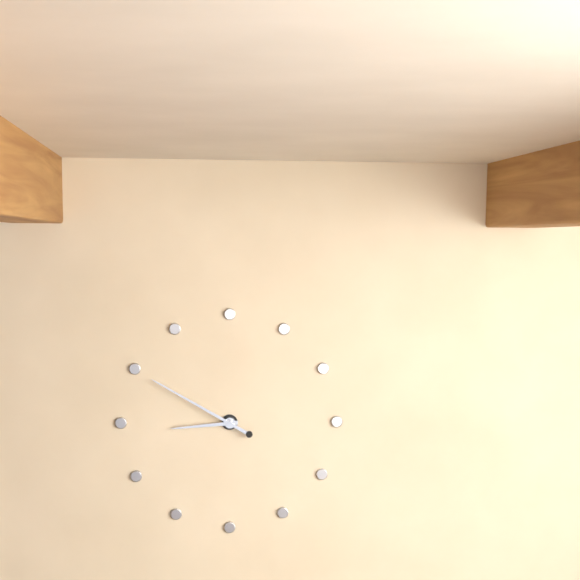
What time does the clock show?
8:50
